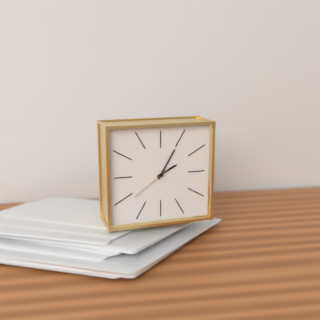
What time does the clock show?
2:05
